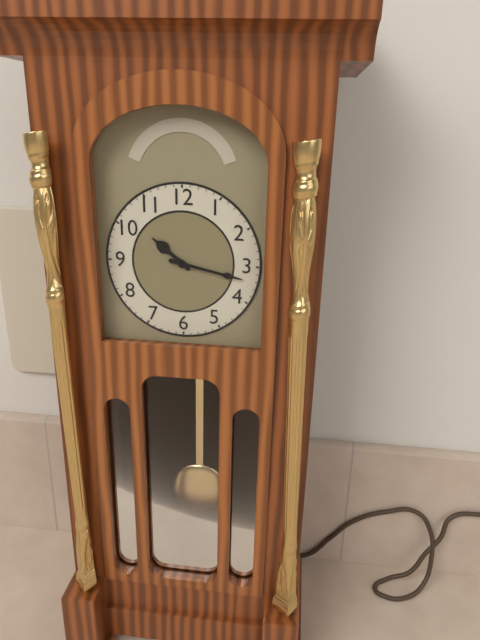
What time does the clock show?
10:17
